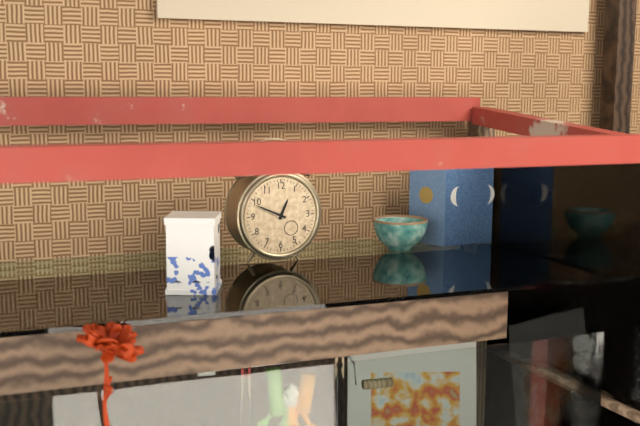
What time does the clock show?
12:49
